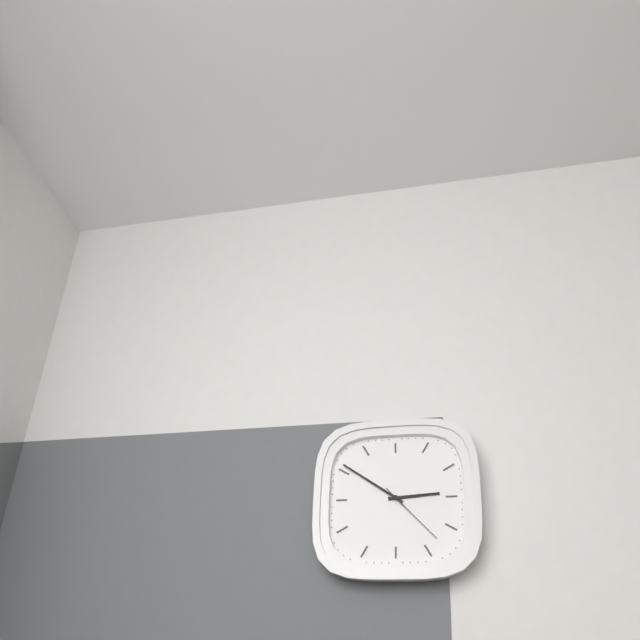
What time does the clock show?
2:51:23
